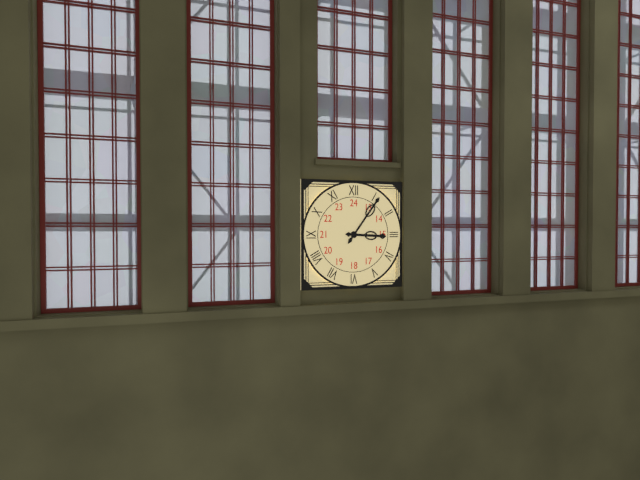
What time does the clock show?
3:06
